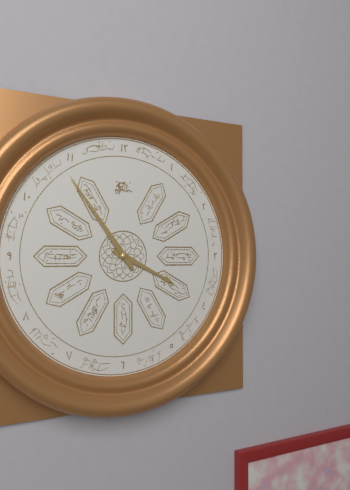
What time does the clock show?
3:54
